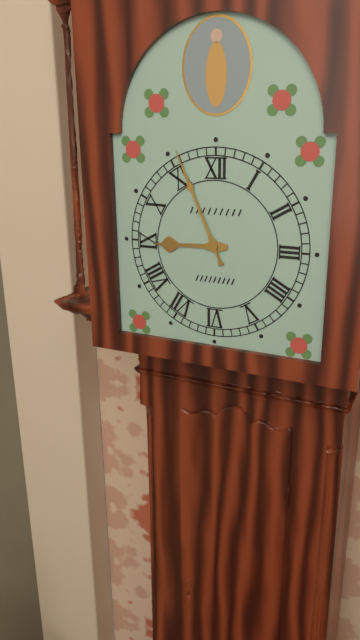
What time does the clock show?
8:56
